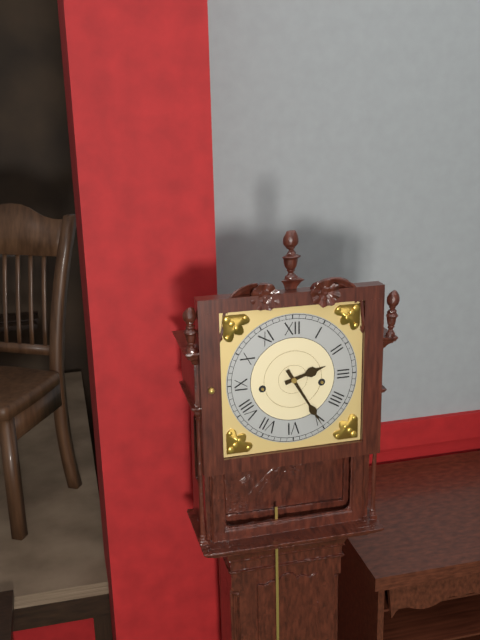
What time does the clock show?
2:25
